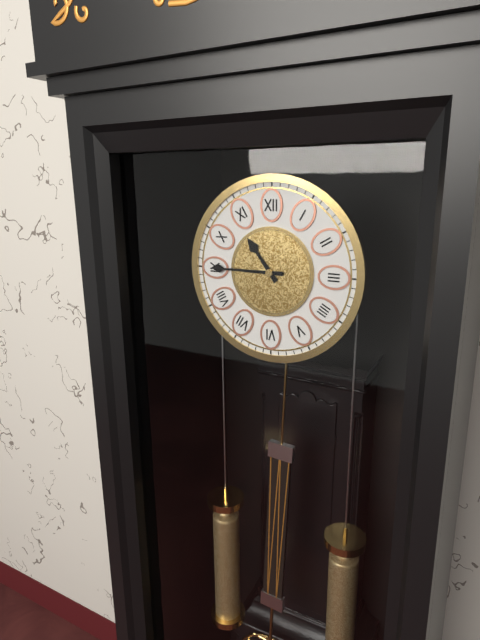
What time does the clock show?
10:45
